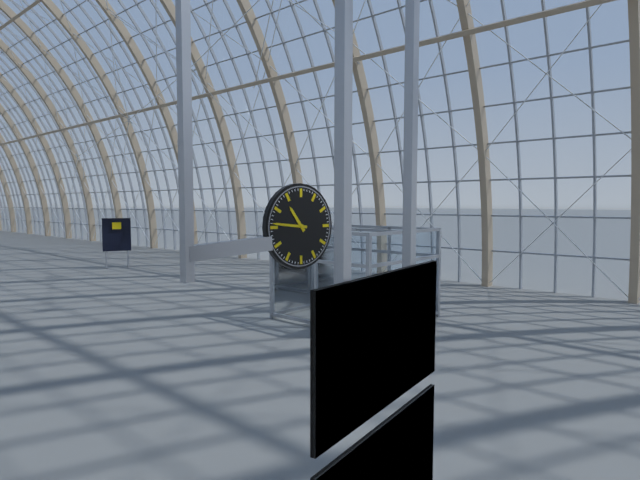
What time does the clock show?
10:46
